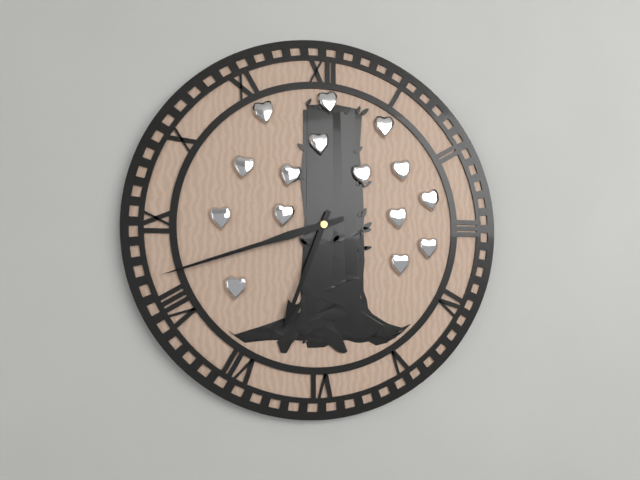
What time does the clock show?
6:42
